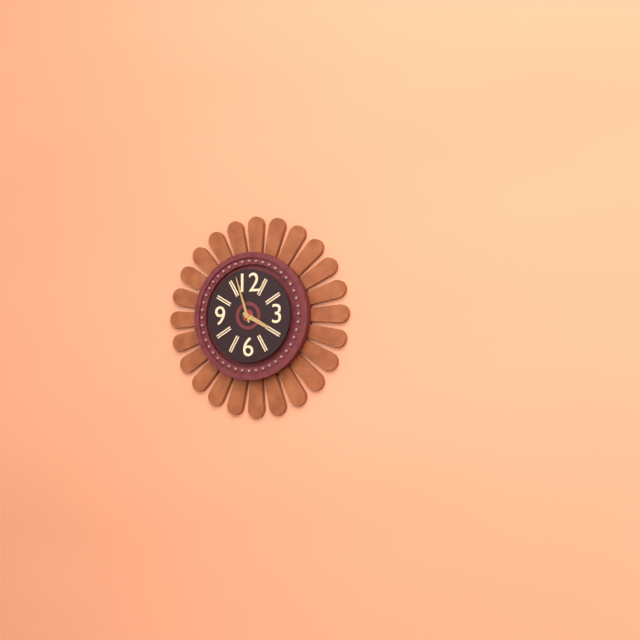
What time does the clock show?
3:57
